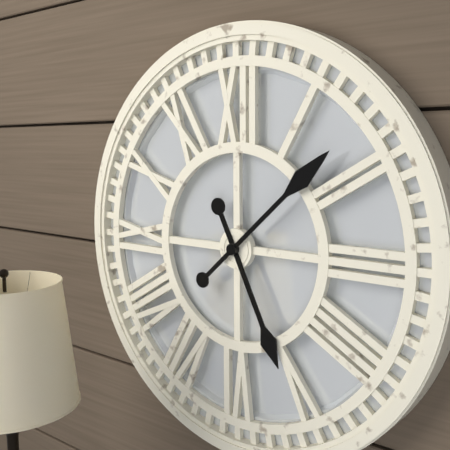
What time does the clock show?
5:08
